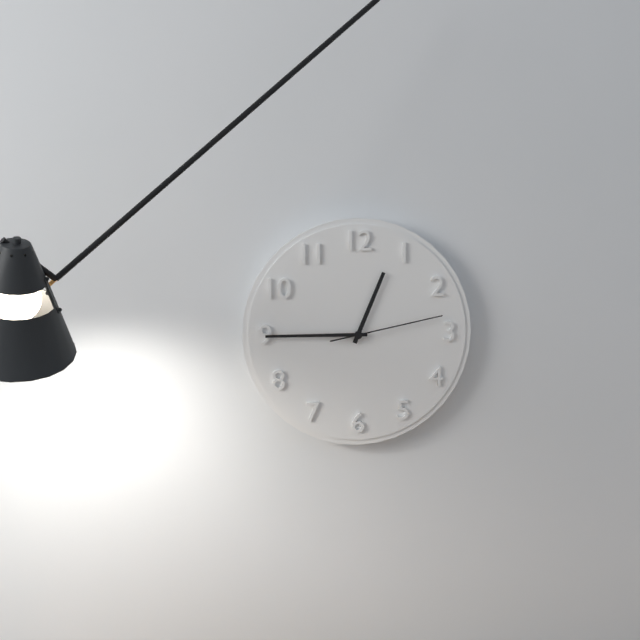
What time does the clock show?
12:45:13
